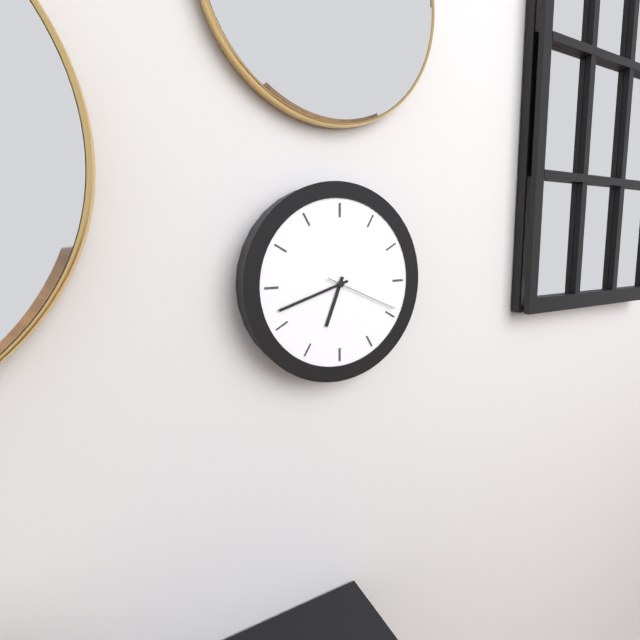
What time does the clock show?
6:42:19
